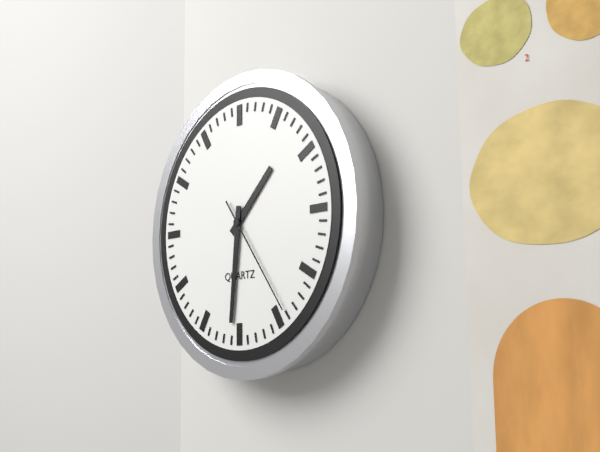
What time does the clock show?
1:31:24
